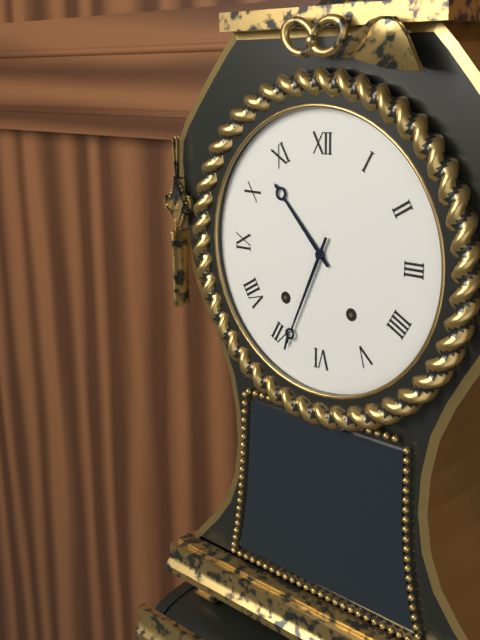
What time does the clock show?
10:34
